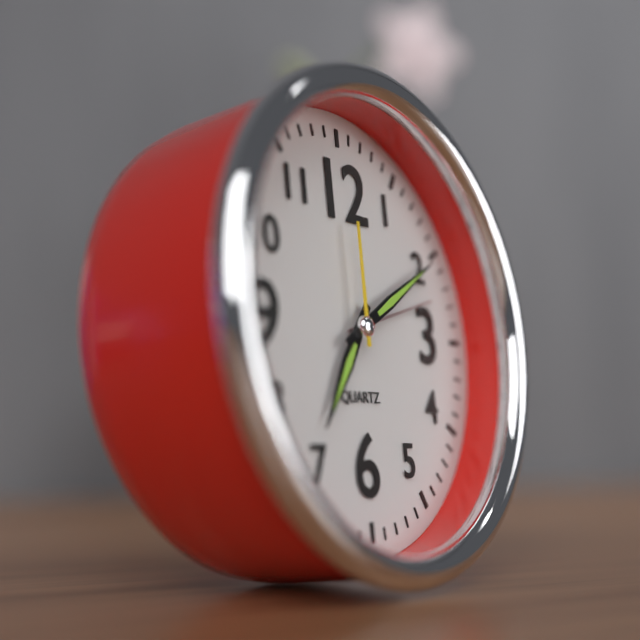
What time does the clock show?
7:10:00
